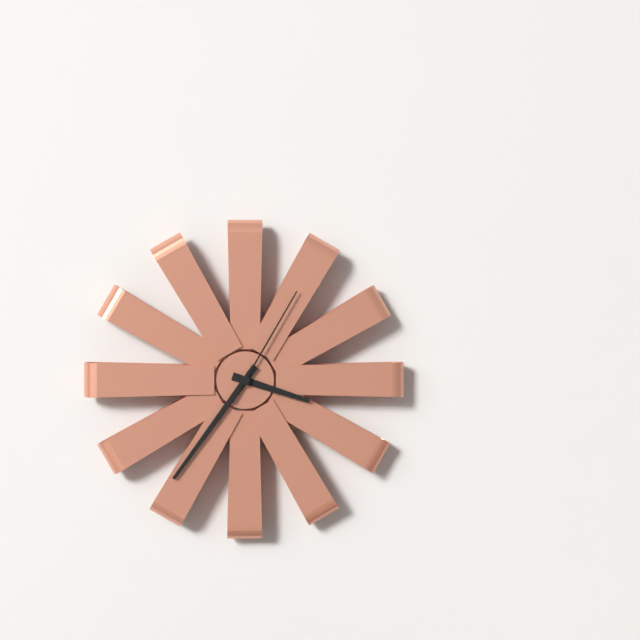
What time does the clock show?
3:36:05
